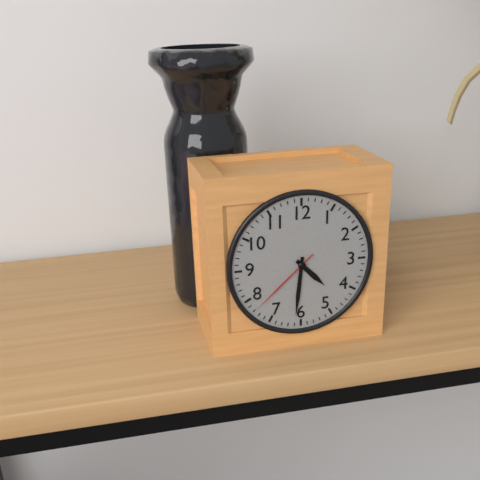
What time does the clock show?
4:31:38
